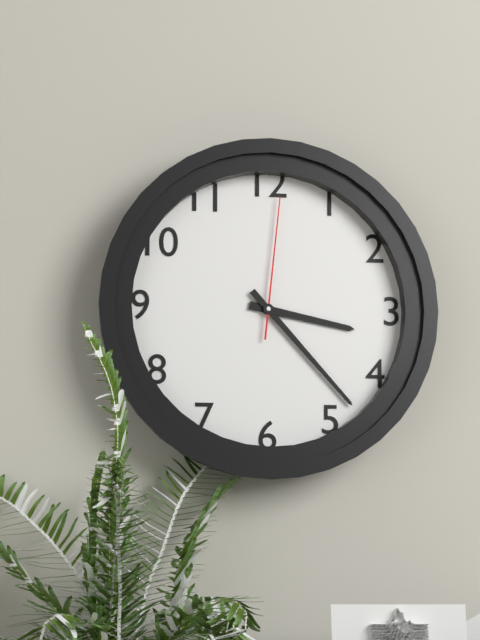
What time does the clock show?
3:23:01
